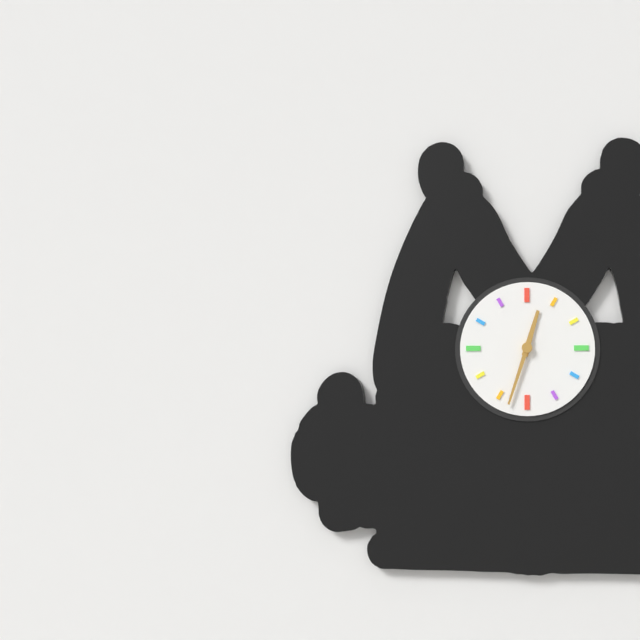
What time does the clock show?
12:33
